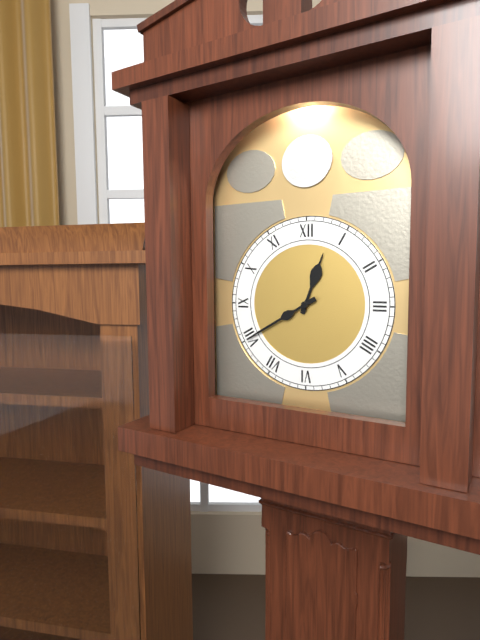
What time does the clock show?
12:40
